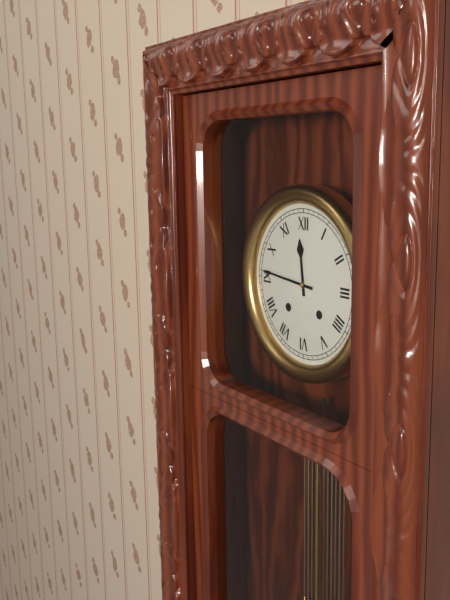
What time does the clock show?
11:46
